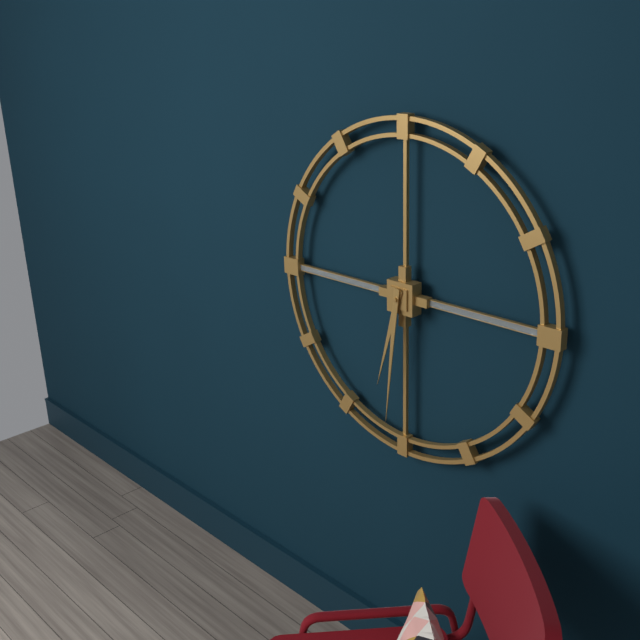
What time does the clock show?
6:31
